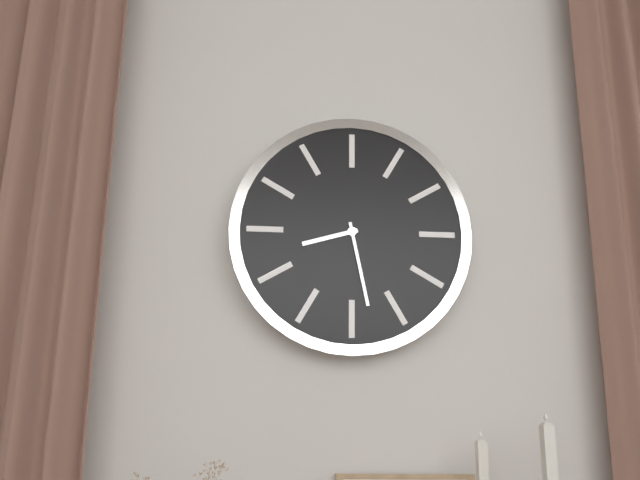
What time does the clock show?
8:28
